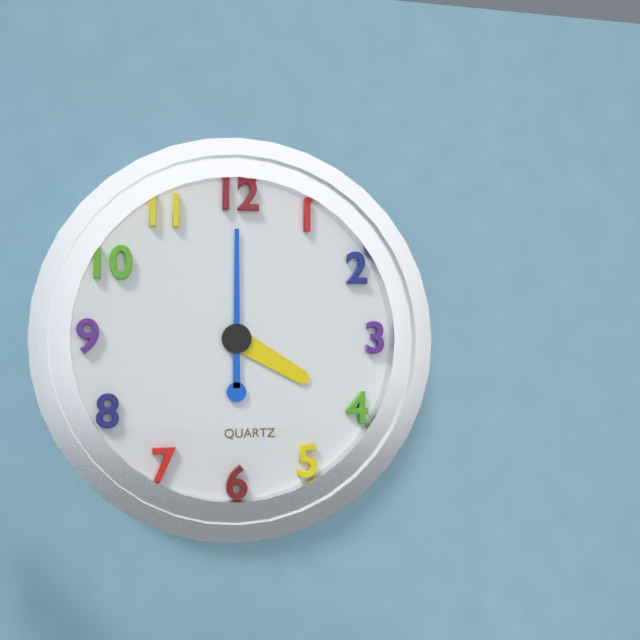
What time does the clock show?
4:00
